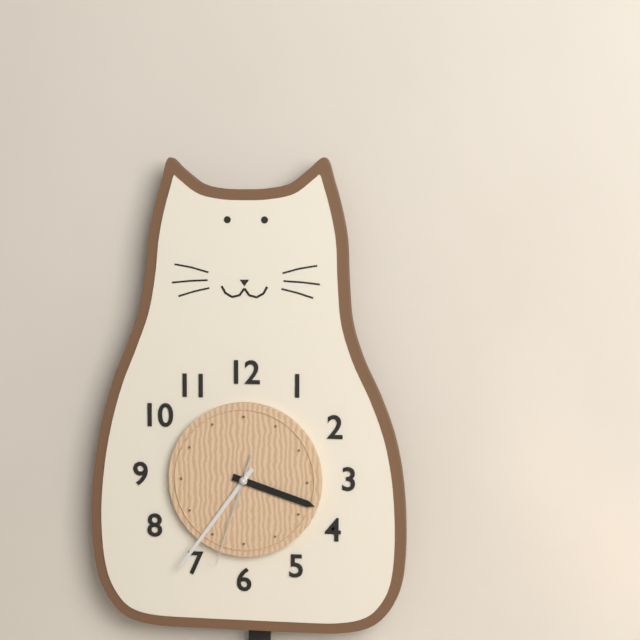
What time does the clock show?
3:36:33
